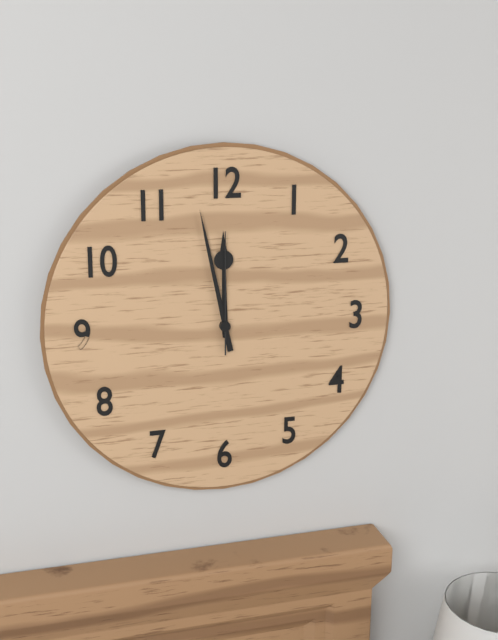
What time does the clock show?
11:58:00
